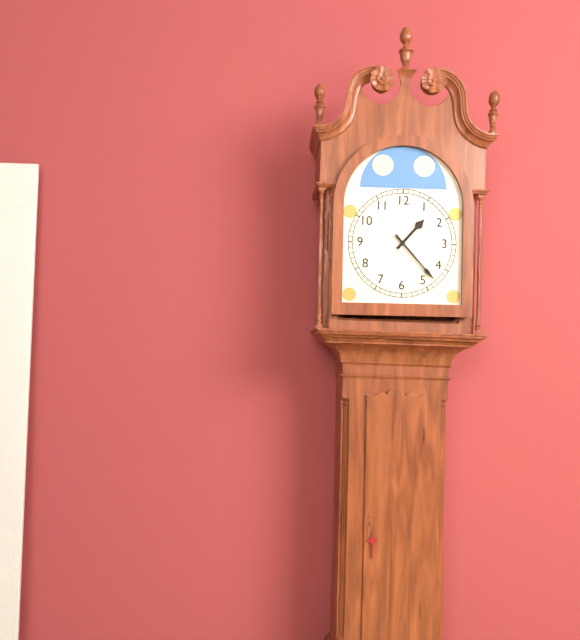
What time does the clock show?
1:23
